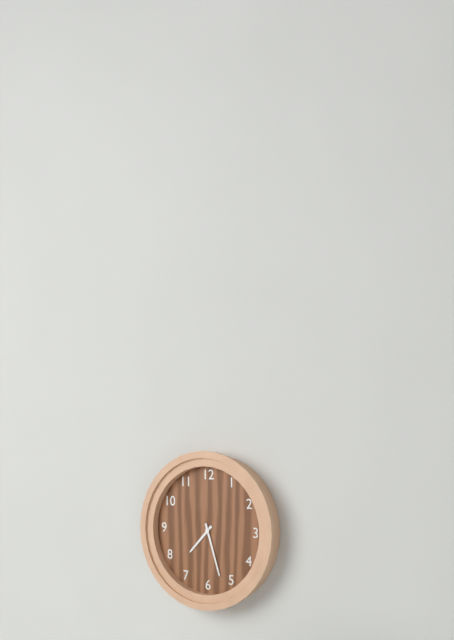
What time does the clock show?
7:27
